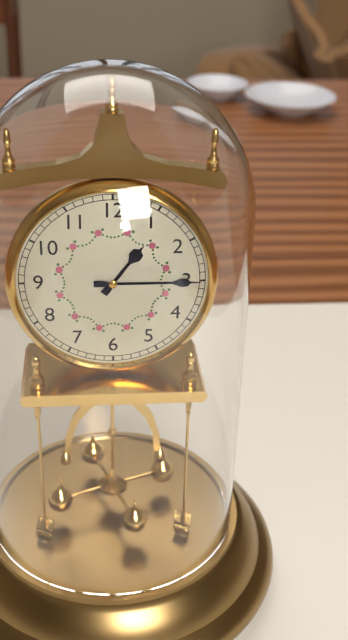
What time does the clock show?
1:15
